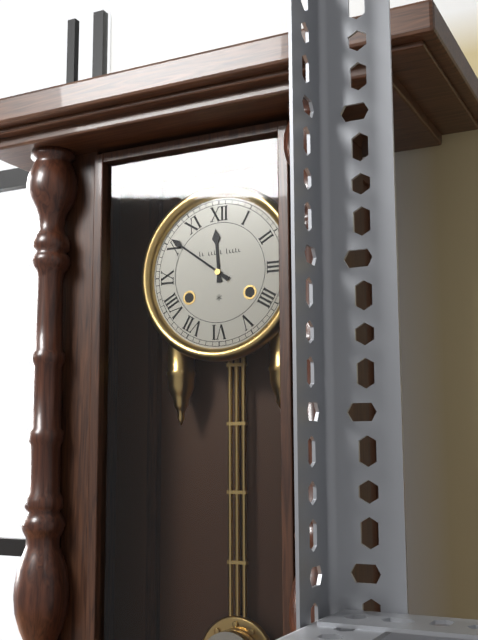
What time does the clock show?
11:51
